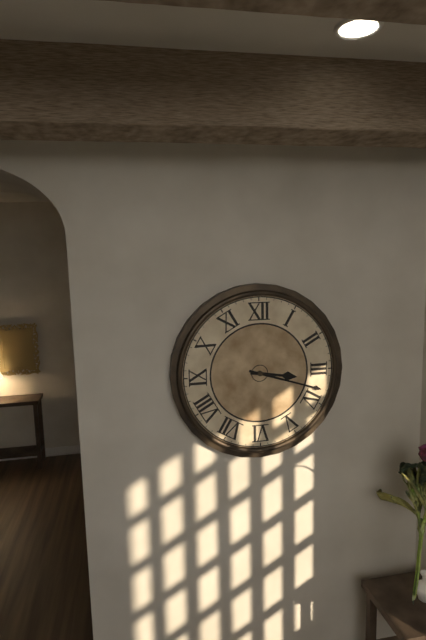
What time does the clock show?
3:18
